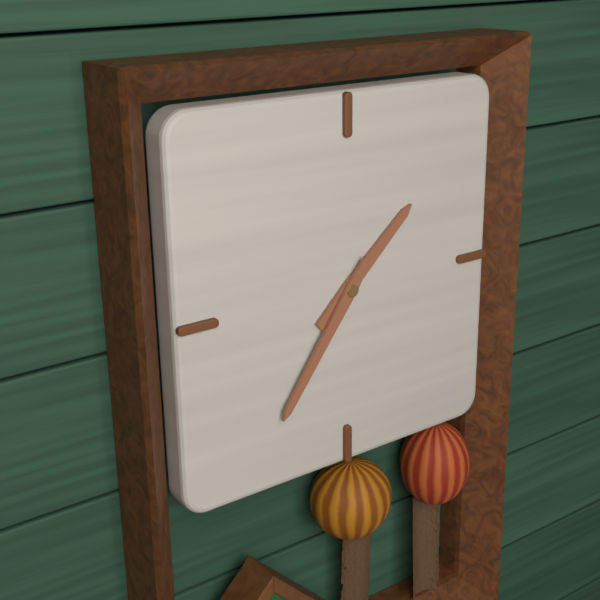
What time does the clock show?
1:36
